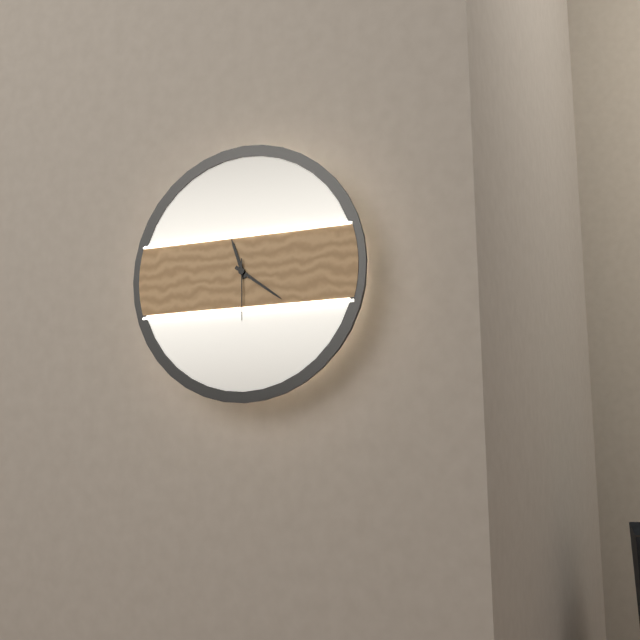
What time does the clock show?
11:21:30
